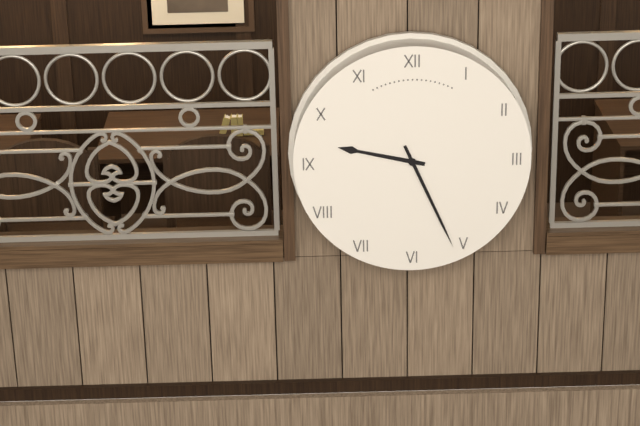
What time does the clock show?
9:26
